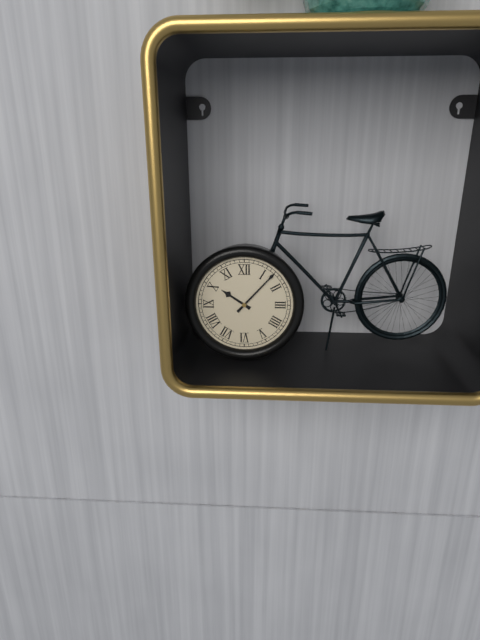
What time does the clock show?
10:07
